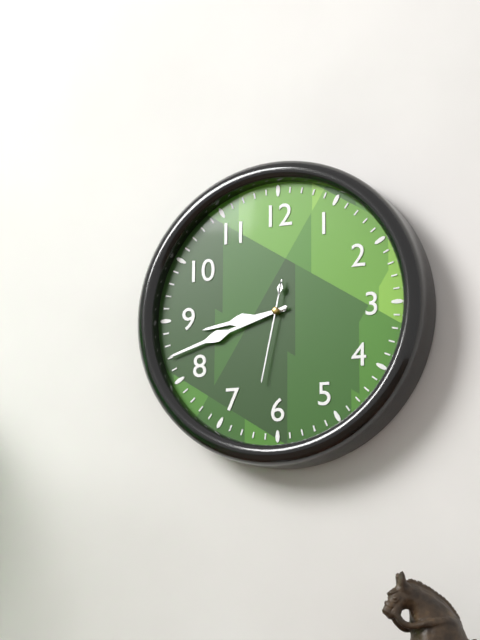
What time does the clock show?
8:42:32
